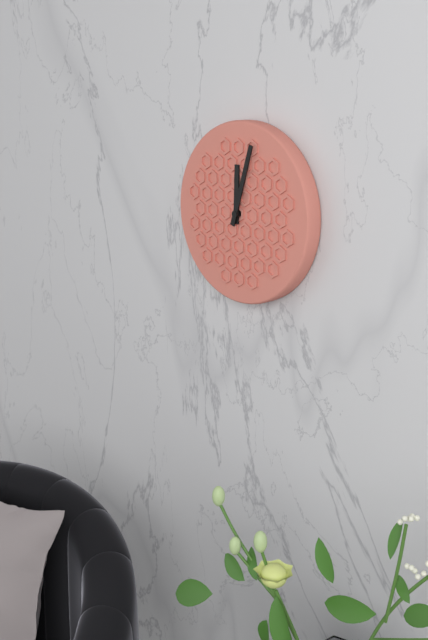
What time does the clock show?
12:03
